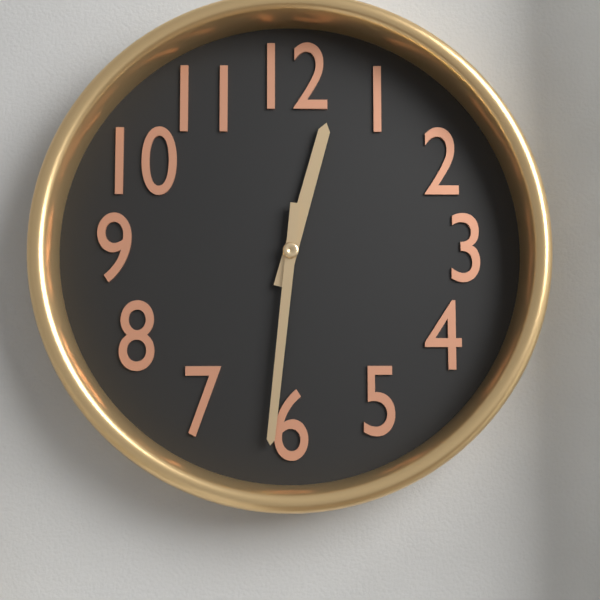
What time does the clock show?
12:31
